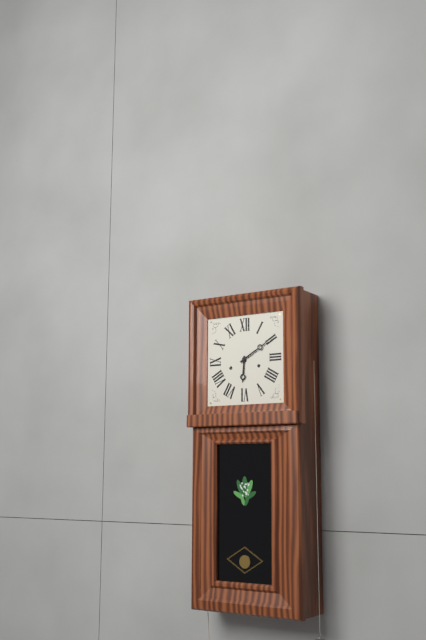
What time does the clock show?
6:10
